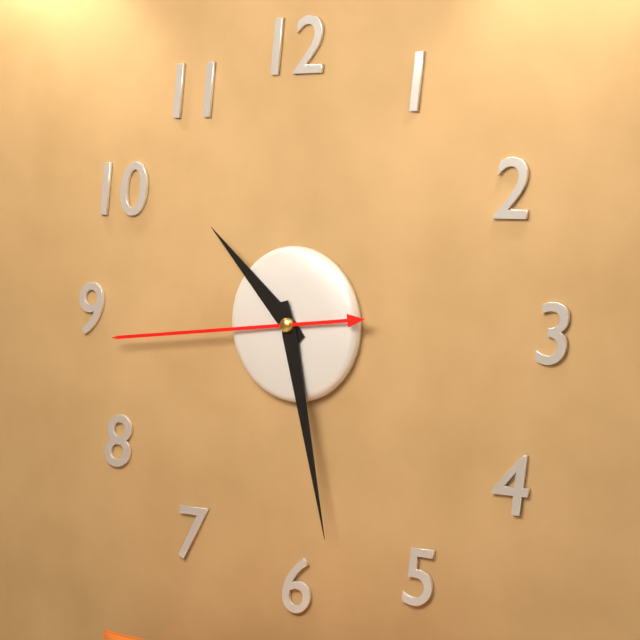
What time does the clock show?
10:28:44
